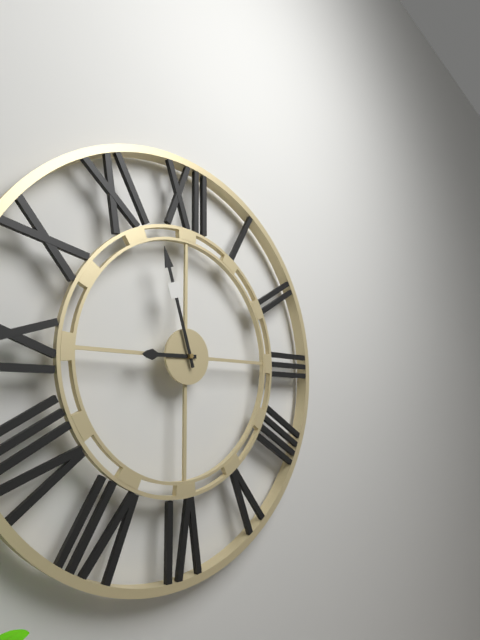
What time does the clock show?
8:57
